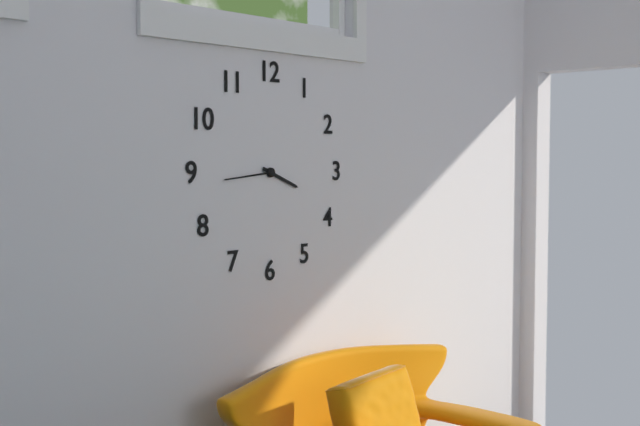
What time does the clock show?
3:44
